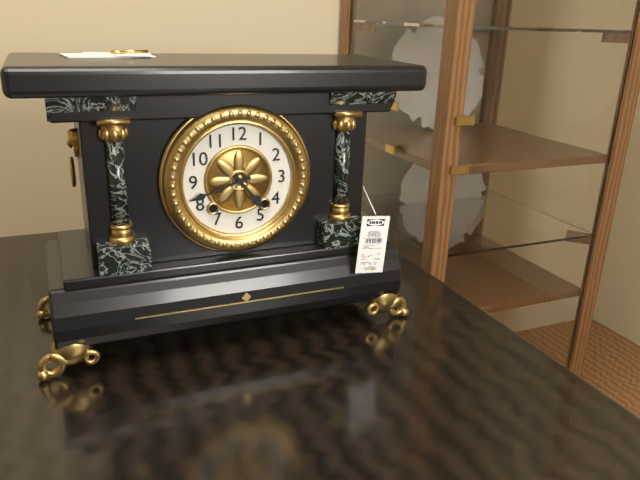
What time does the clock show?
4:42
